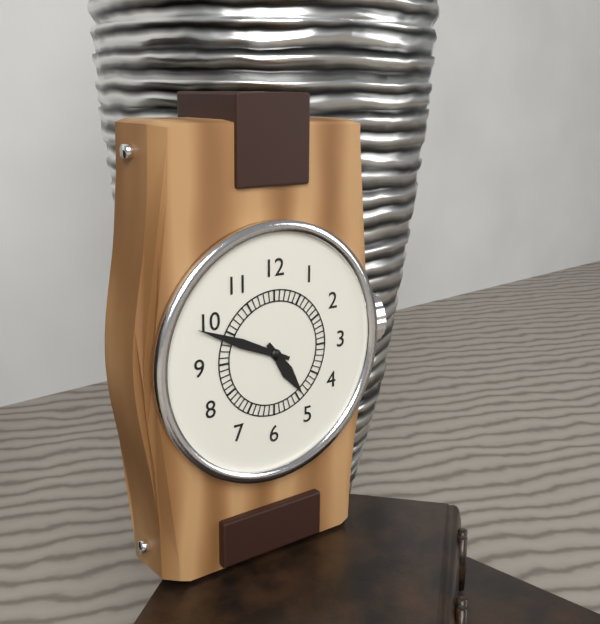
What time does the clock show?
4:49
